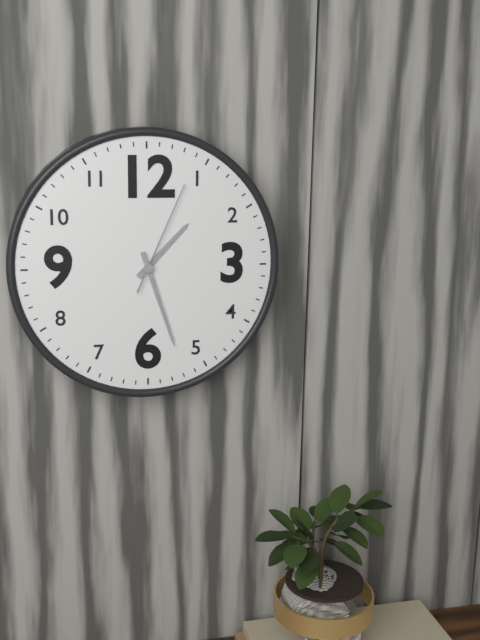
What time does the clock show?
1:27:04
